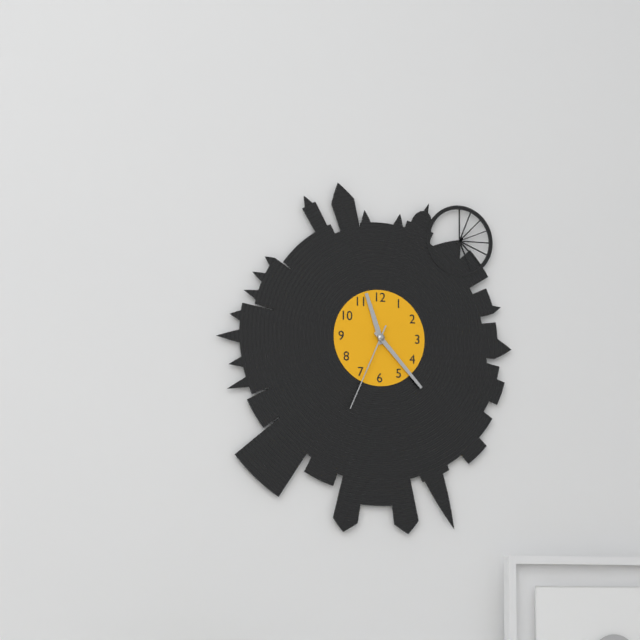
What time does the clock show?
11:23:34
